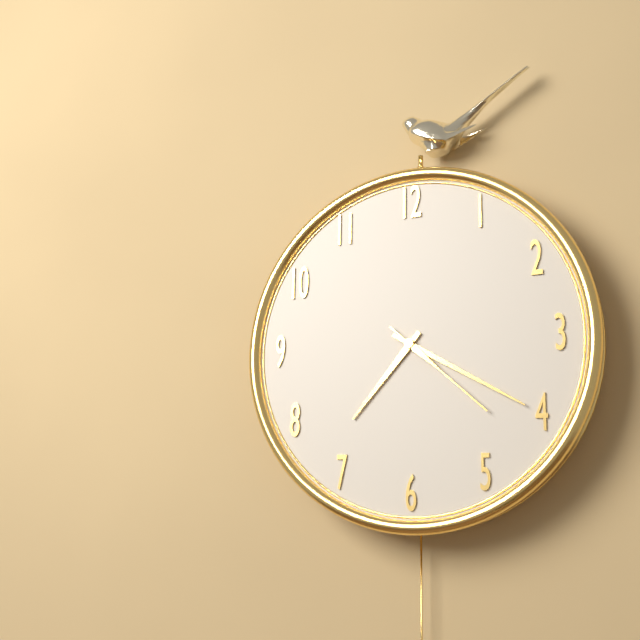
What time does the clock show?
7:20:22
